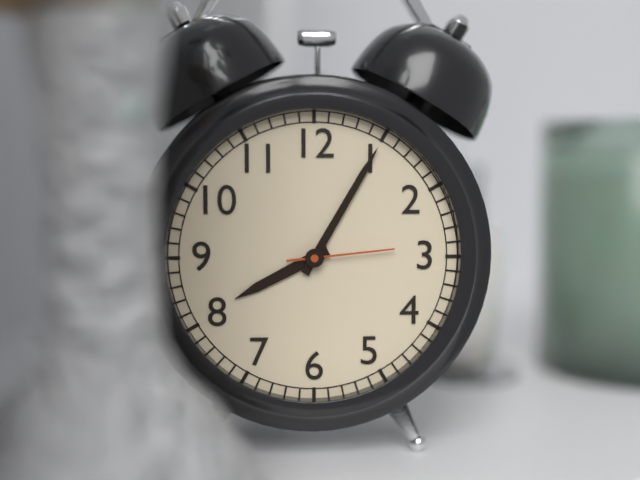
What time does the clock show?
8:05:14
